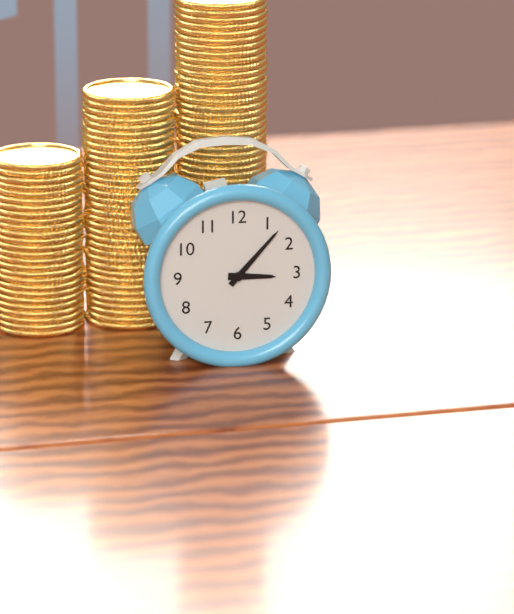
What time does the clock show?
3:07
